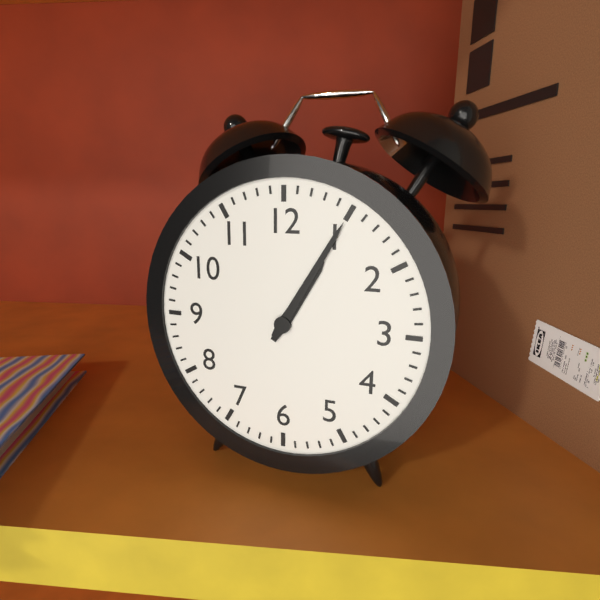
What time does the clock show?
1:05
